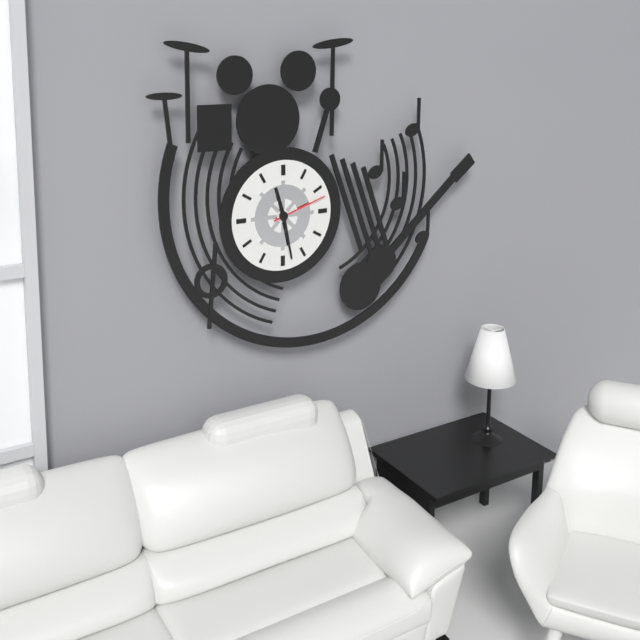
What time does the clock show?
11:28:12
